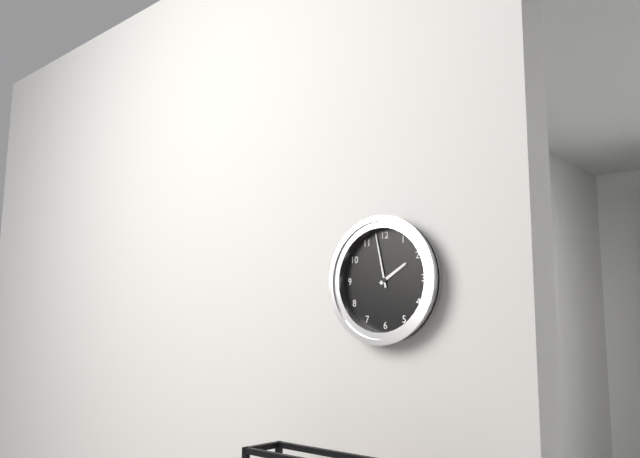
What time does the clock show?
1:58
